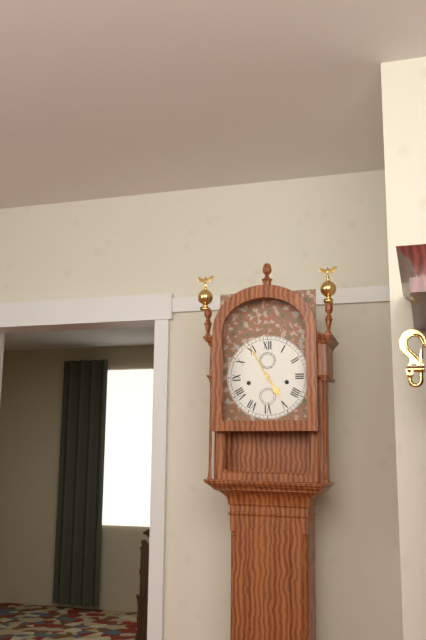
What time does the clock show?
4:55
